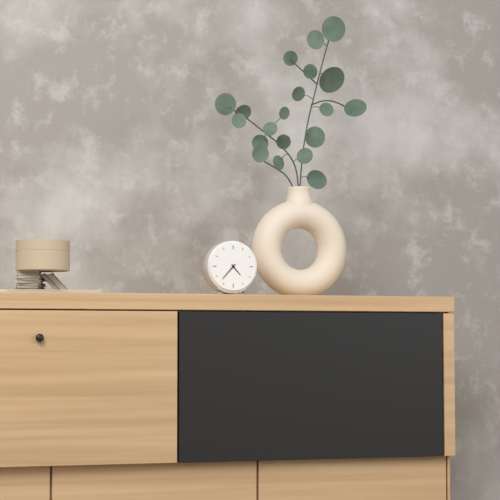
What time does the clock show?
4:37
